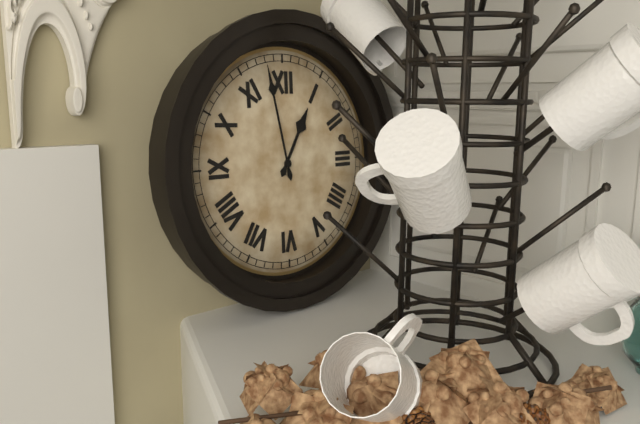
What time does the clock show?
12:58
